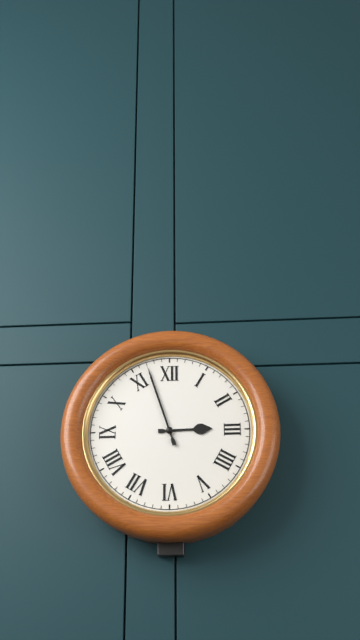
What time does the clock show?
2:57
